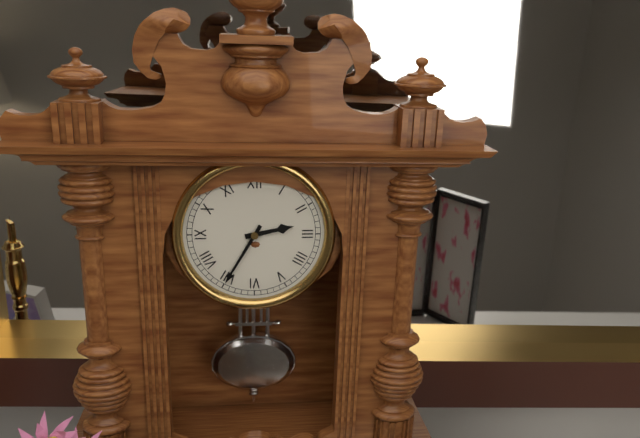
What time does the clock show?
2:35
